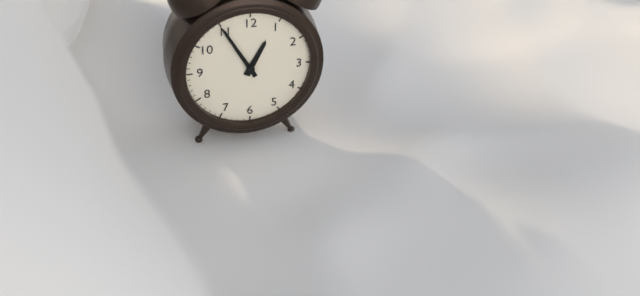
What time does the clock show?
12:55
